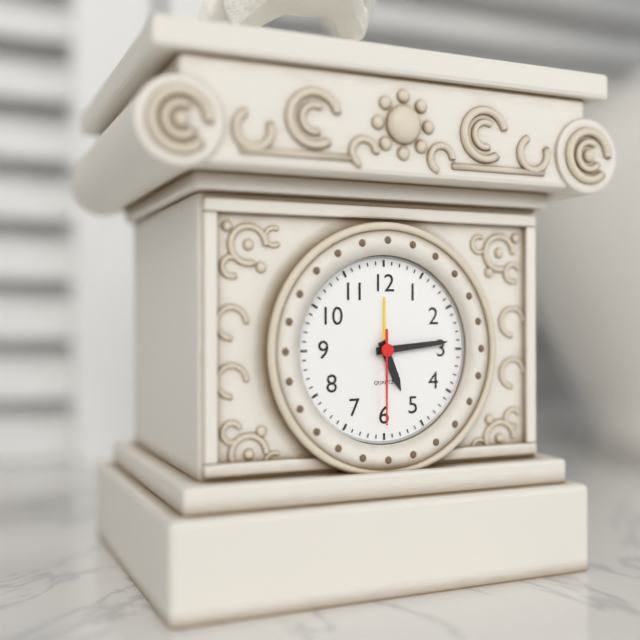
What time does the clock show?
5:14:30
